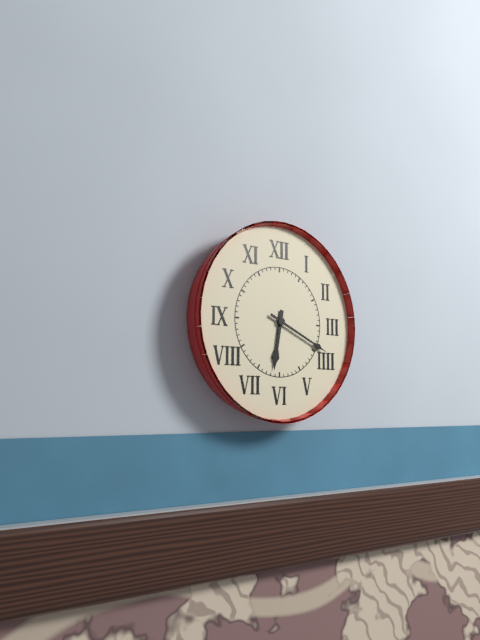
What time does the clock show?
6:19
